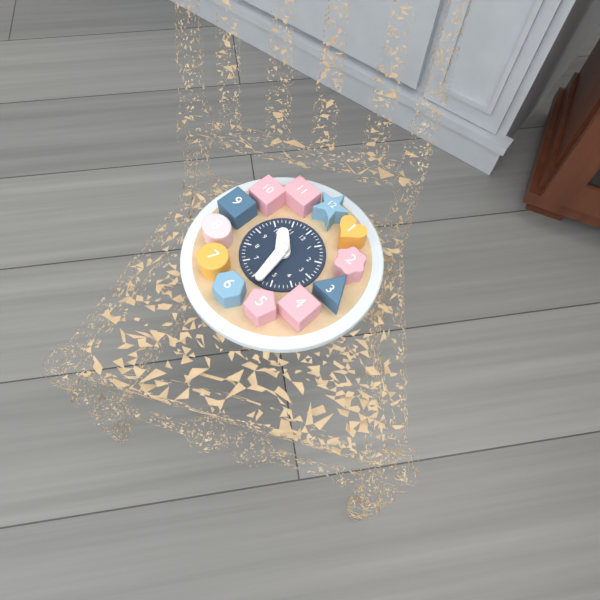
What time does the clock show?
10:28
